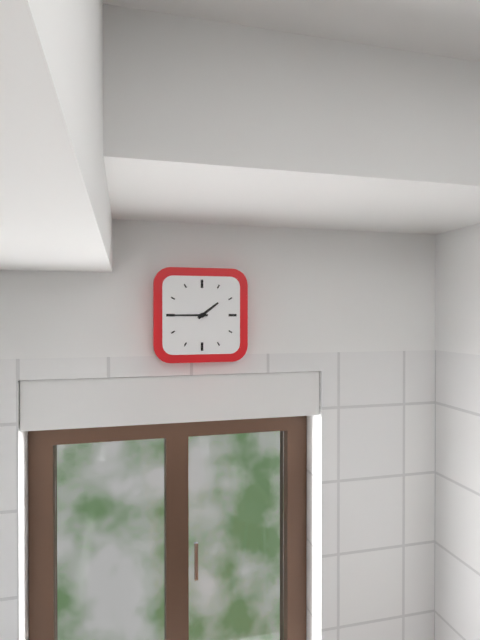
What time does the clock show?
1:45
